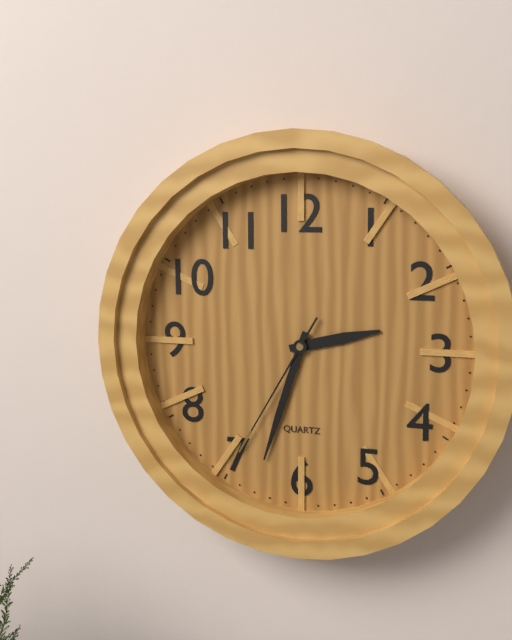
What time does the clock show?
2:33:35
